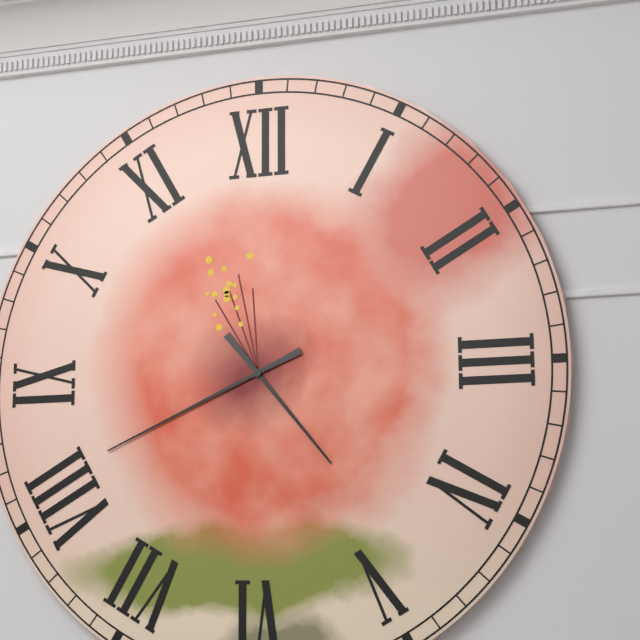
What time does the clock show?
4:41
